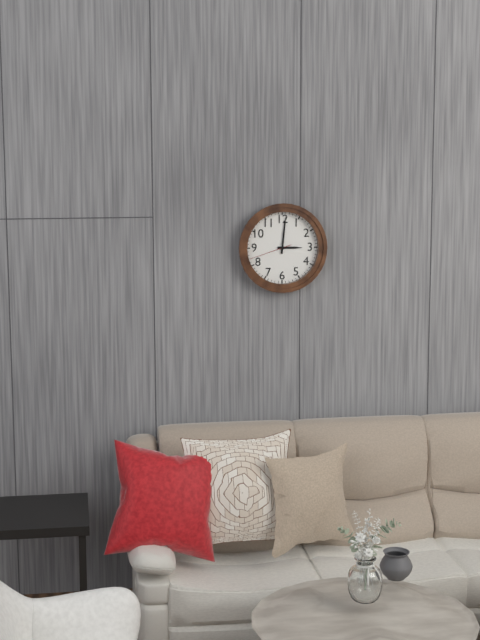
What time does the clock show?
3:01
